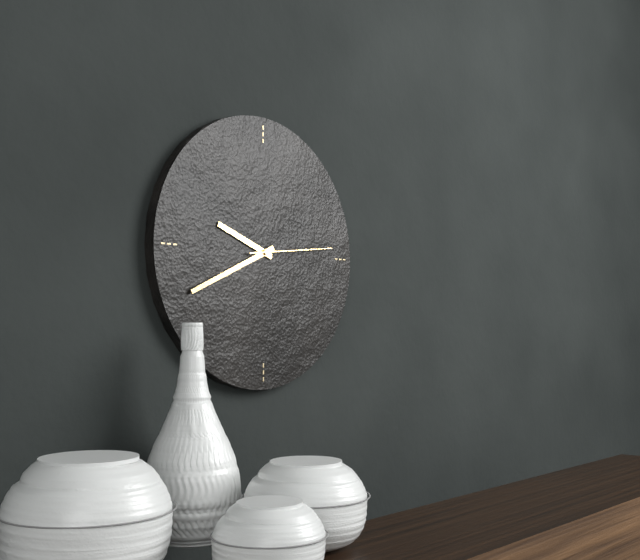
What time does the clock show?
9:41:14
